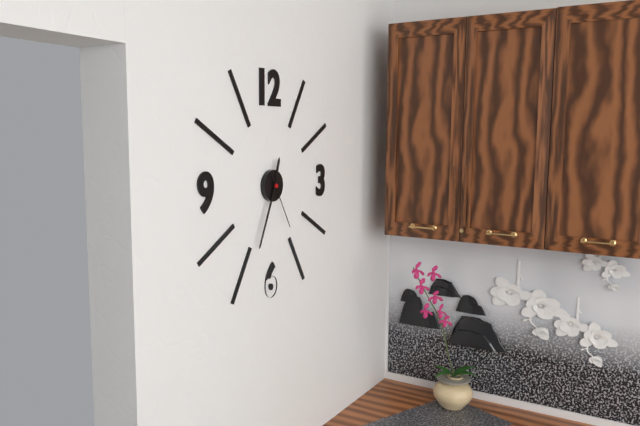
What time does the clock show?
12:34:25
